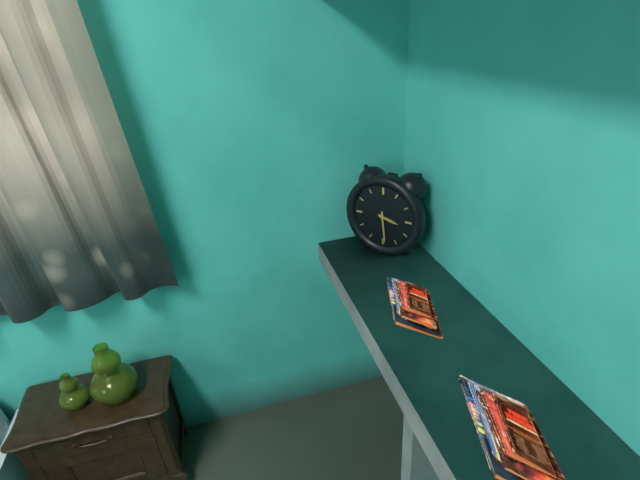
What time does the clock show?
3:29
